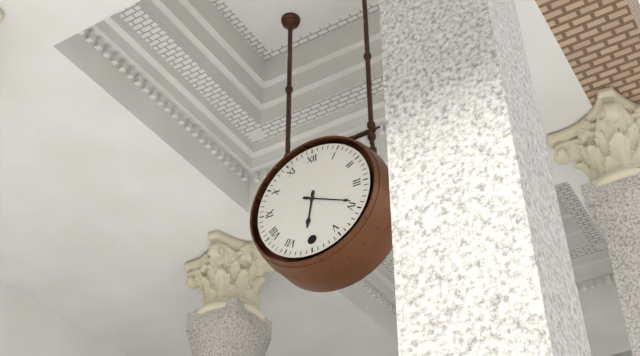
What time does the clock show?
6:19
